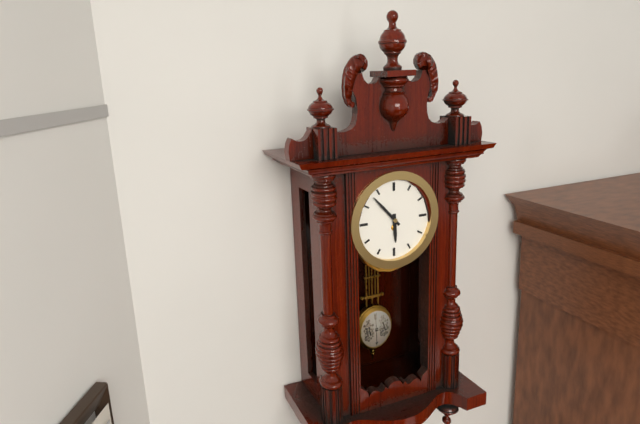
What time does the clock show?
5:53
